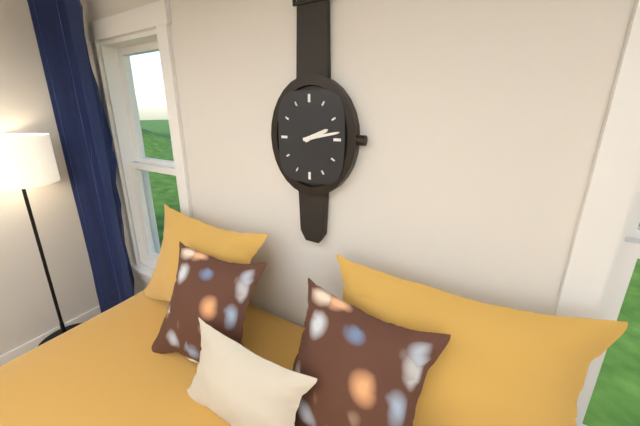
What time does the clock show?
2:13
